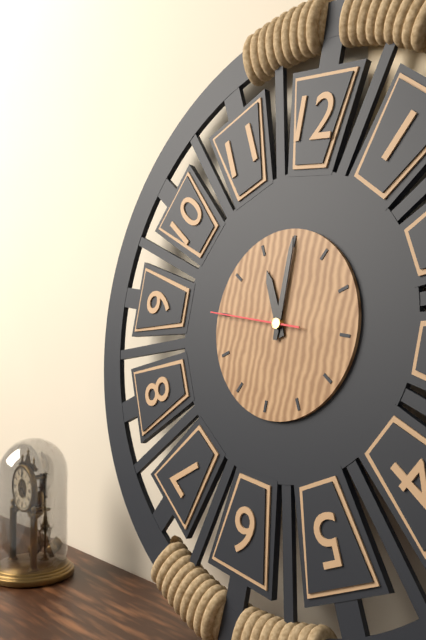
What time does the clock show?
11:00:45
